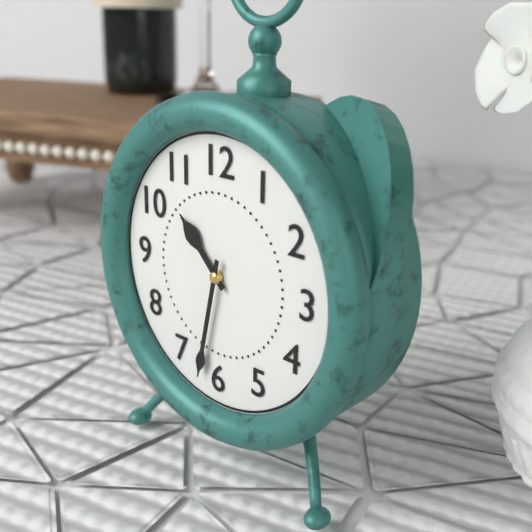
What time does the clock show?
10:32
